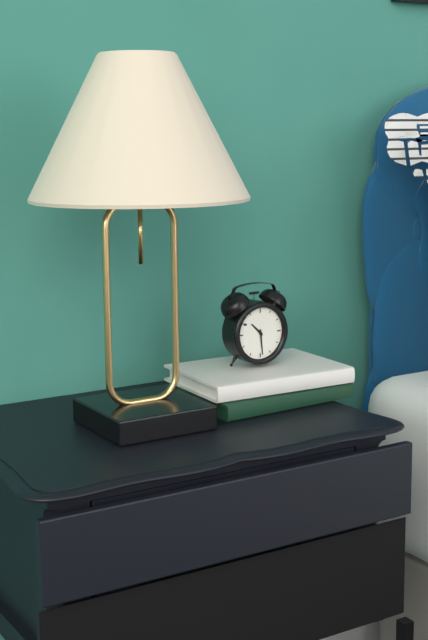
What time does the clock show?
10:29
